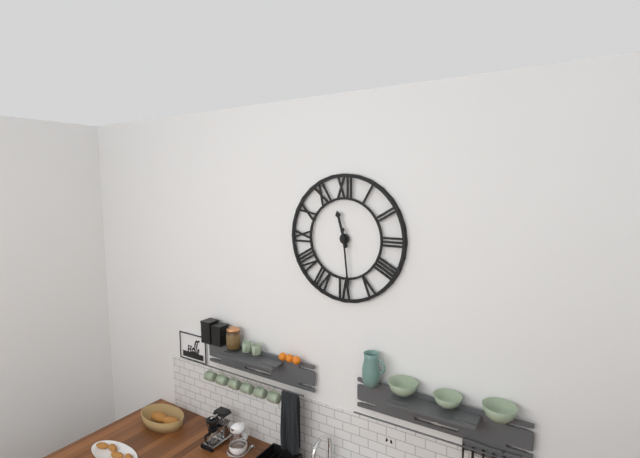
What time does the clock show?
11:29
